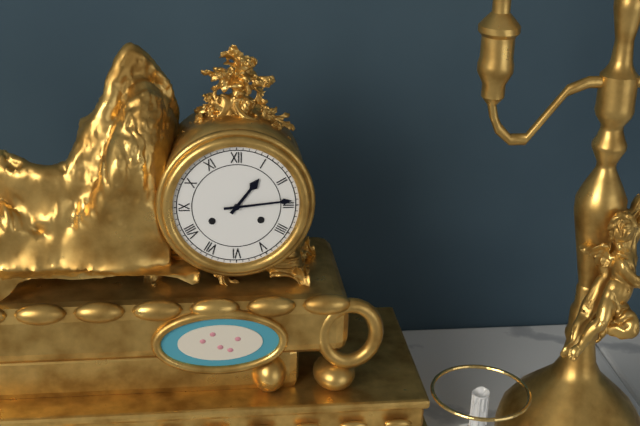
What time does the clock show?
1:14
